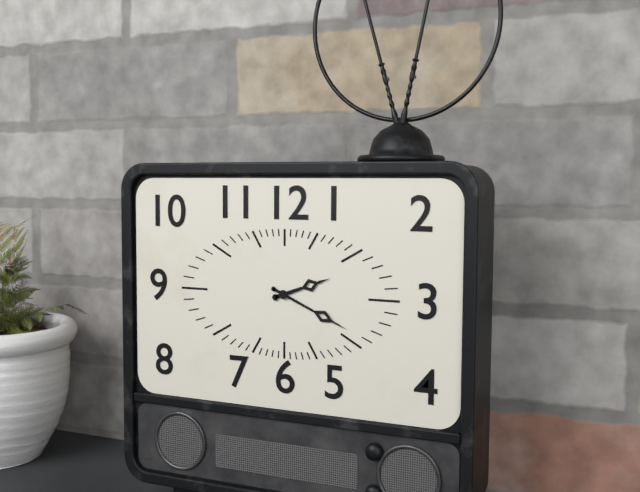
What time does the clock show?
2:19
